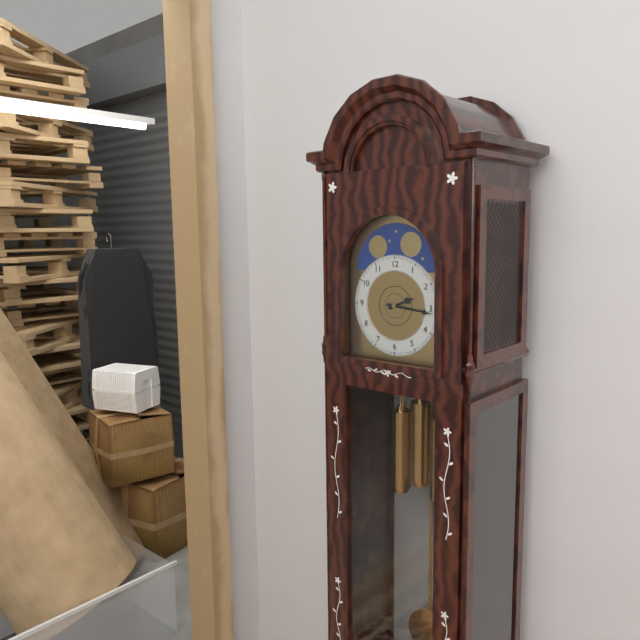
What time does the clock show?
2:16
